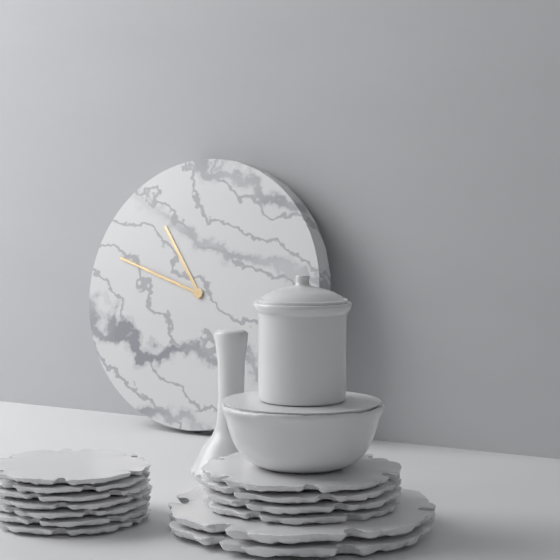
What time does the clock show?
10:48
